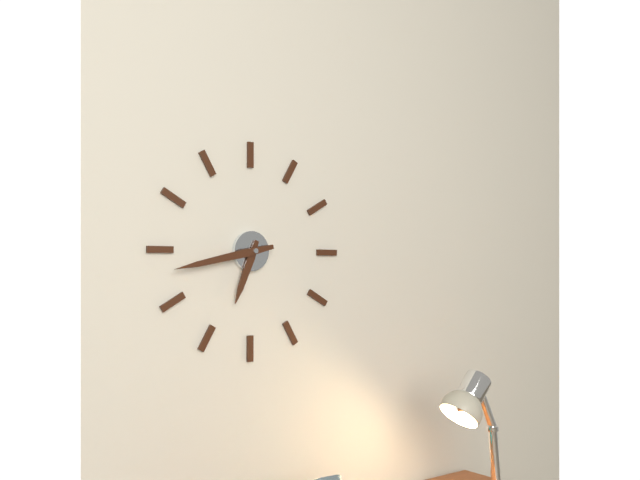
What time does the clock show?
6:43
